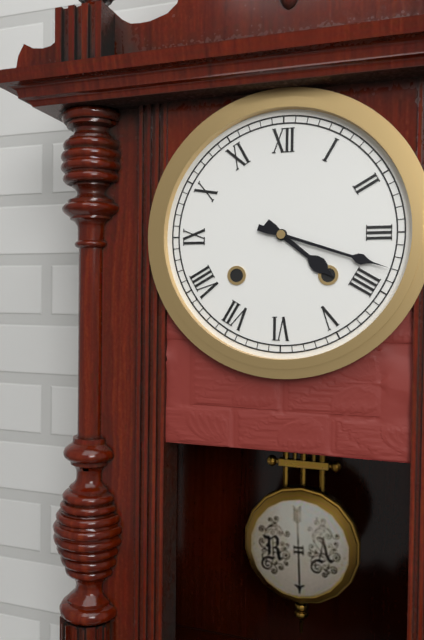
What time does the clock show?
4:18
